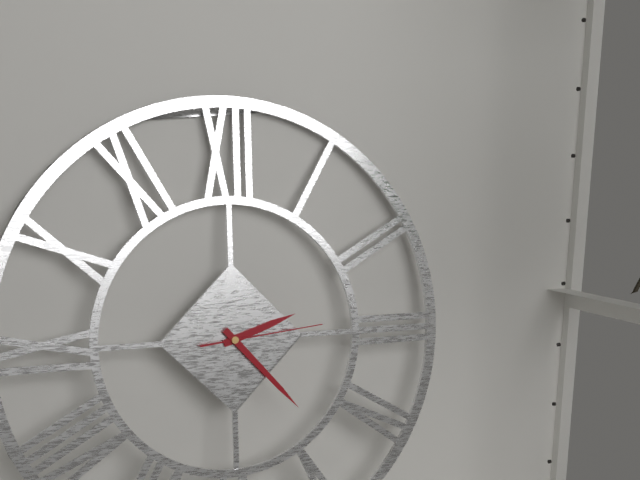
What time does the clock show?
2:23:14
